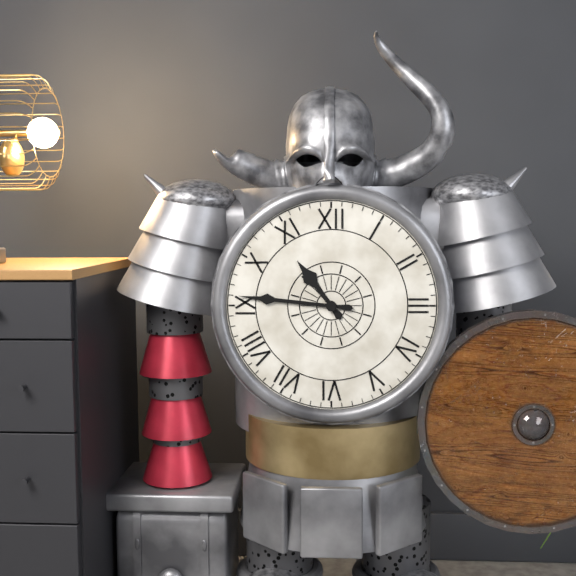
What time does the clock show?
10:46
